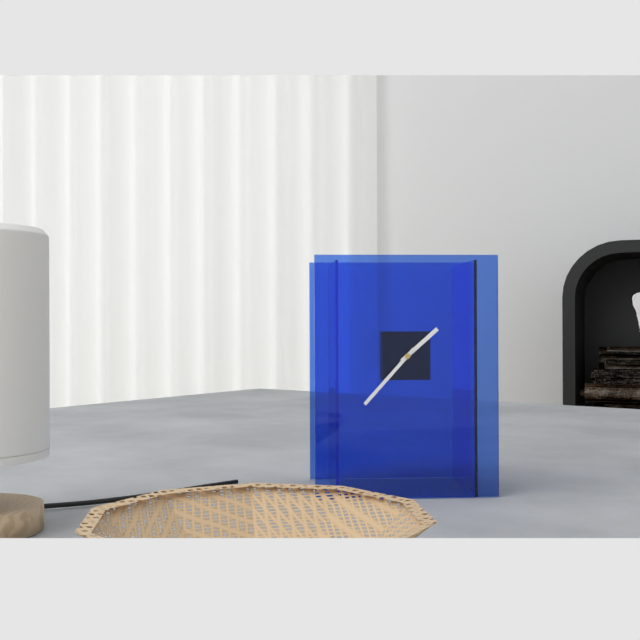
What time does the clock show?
1:37
